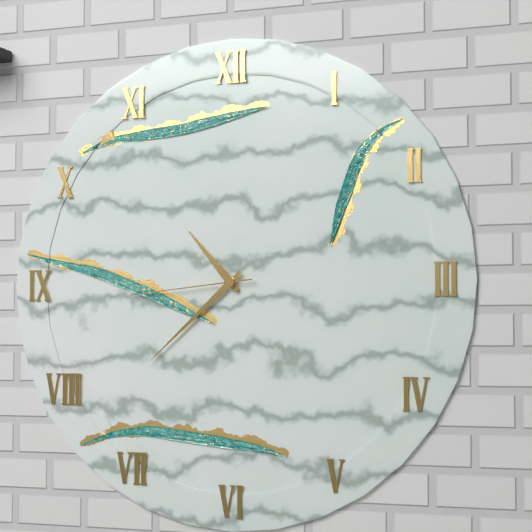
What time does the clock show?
10:38:44
